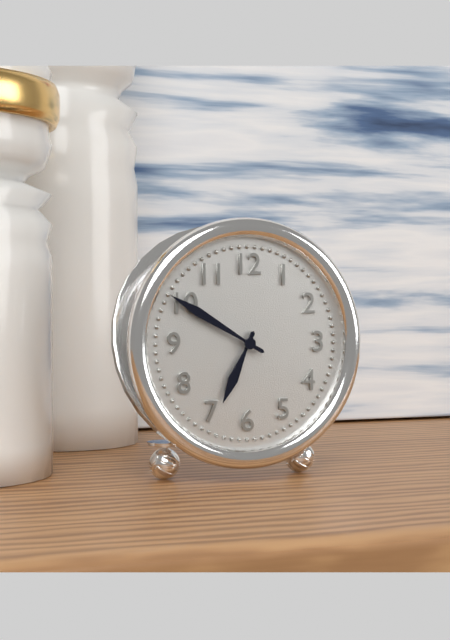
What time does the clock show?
6:50
